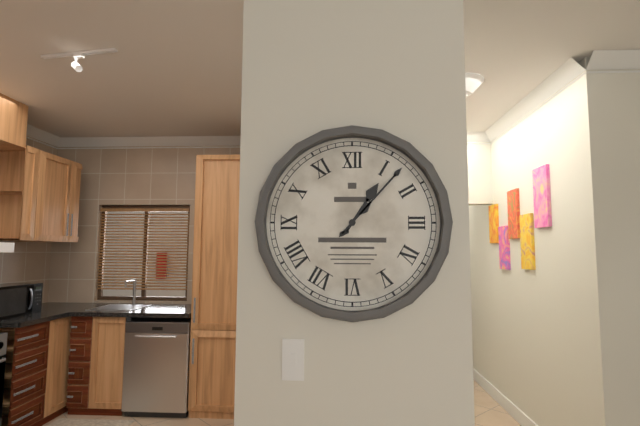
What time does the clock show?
1:07
